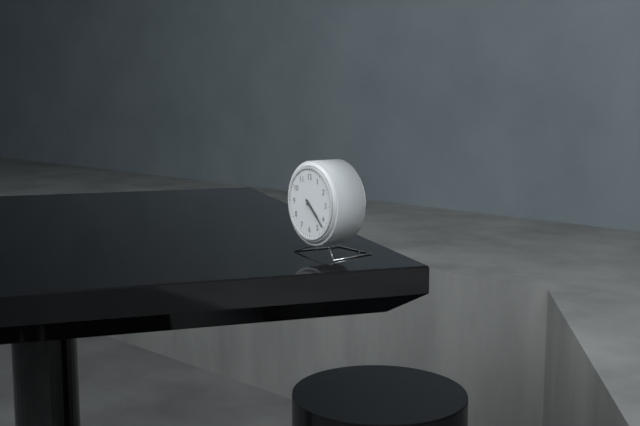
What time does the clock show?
4:22
